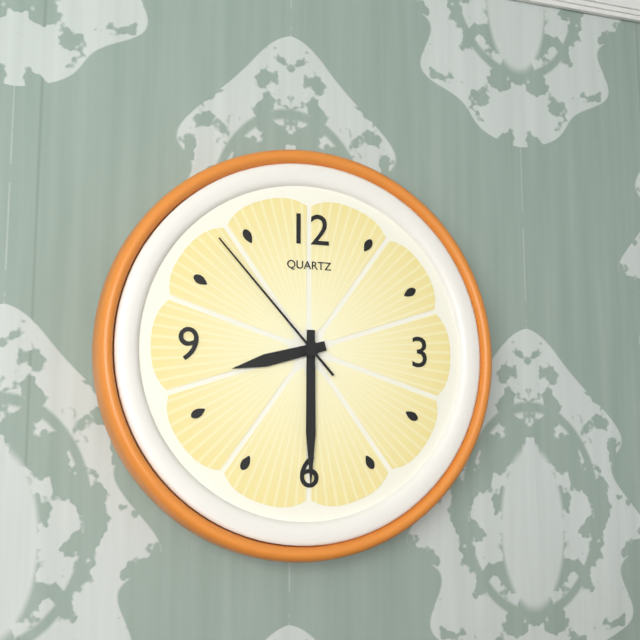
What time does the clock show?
8:30:53
